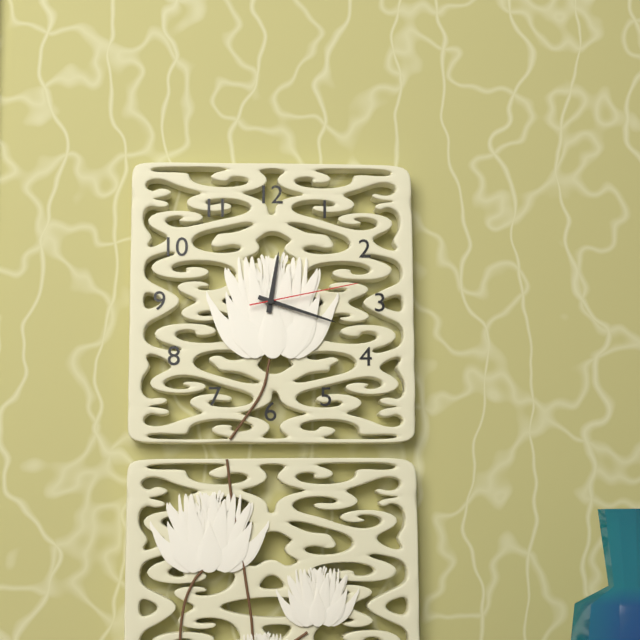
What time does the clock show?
12:18:13
